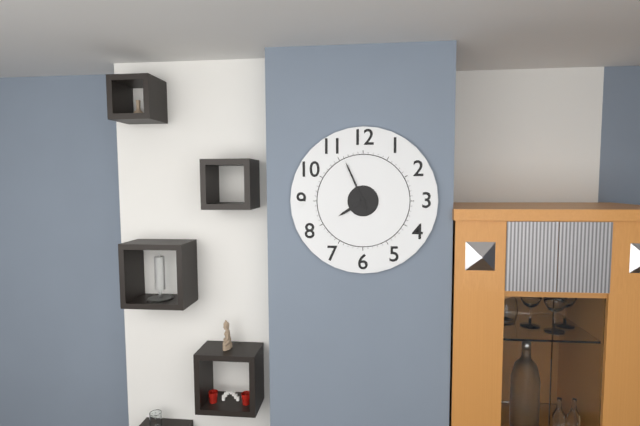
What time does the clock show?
7:56
